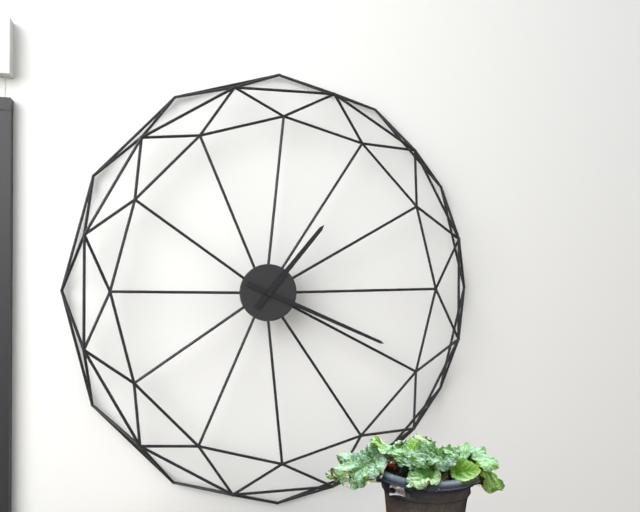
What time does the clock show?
1:19
